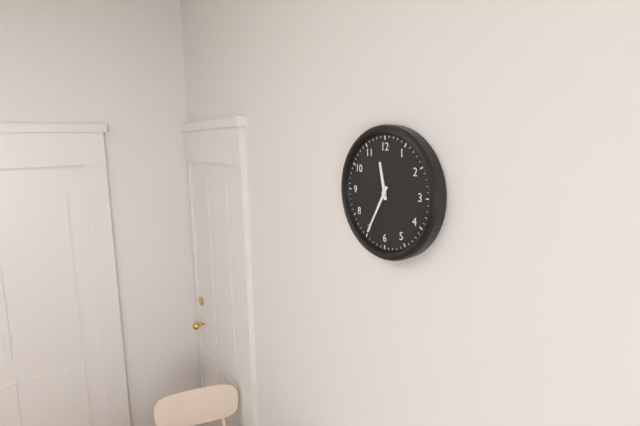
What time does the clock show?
11:35
